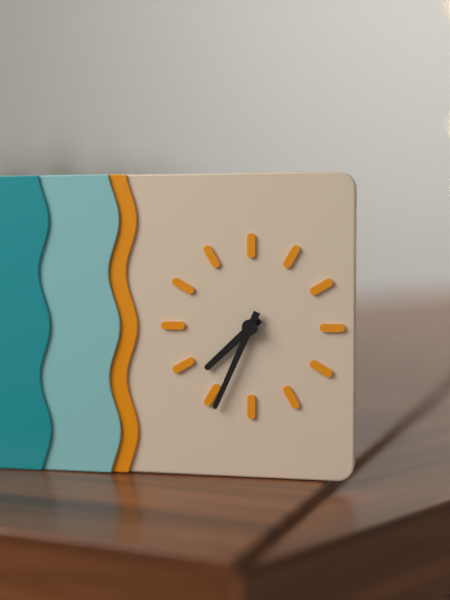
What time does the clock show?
7:34
